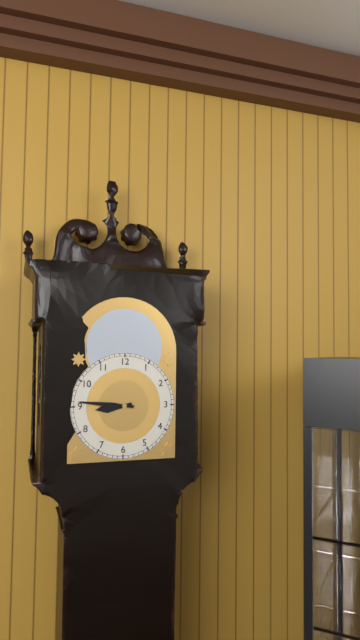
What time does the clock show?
8:46
